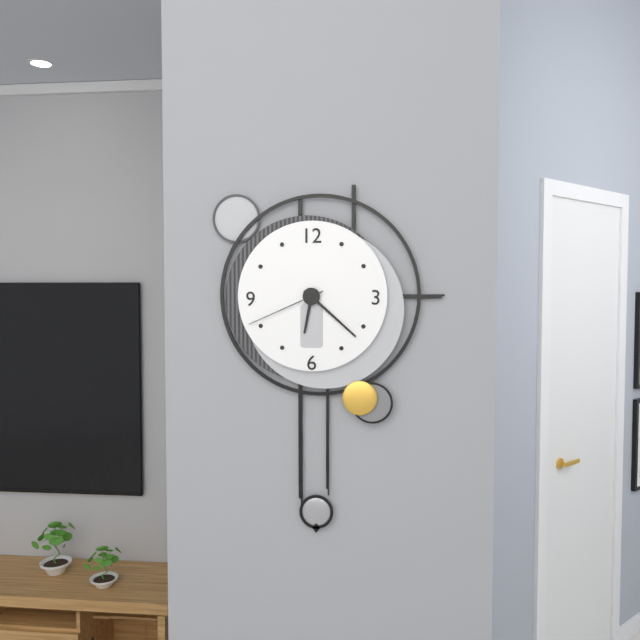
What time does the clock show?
6:22:41
